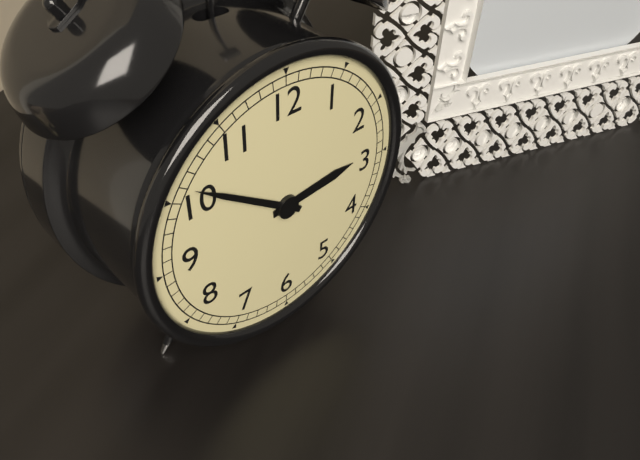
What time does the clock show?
2:51
